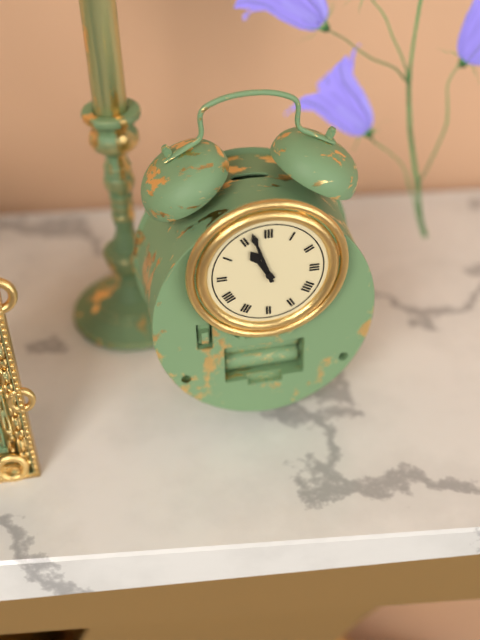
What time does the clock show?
10:57
